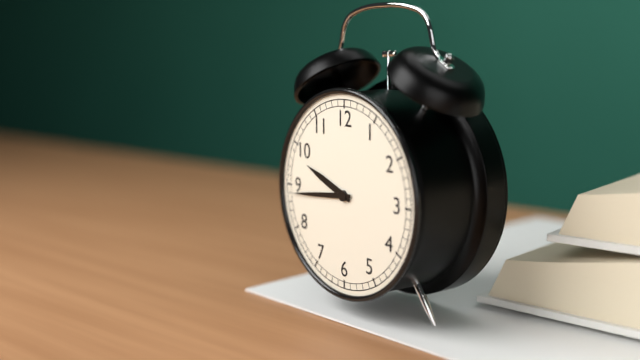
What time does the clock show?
9:44
